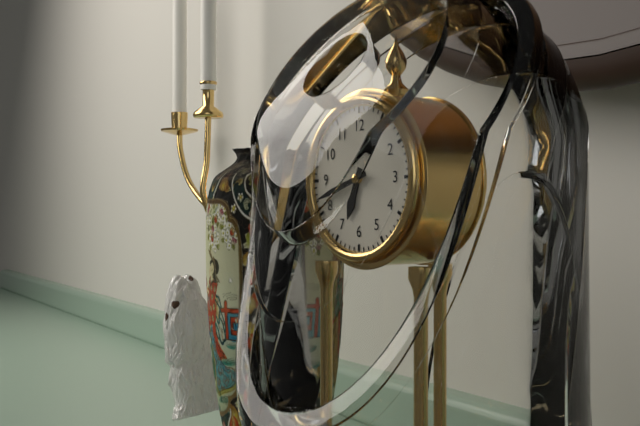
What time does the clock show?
6:42
